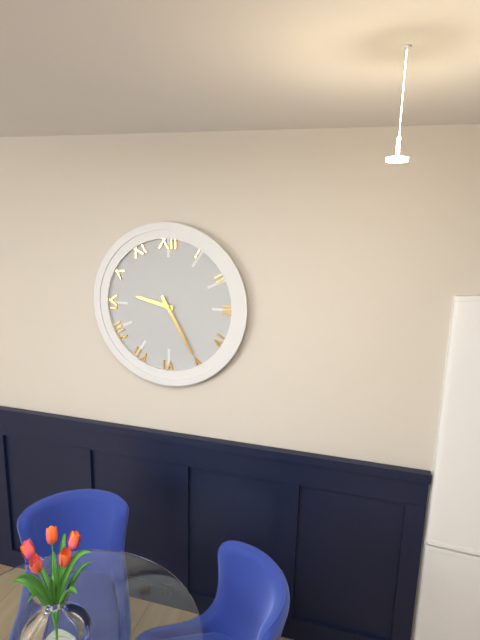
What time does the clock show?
9:25
